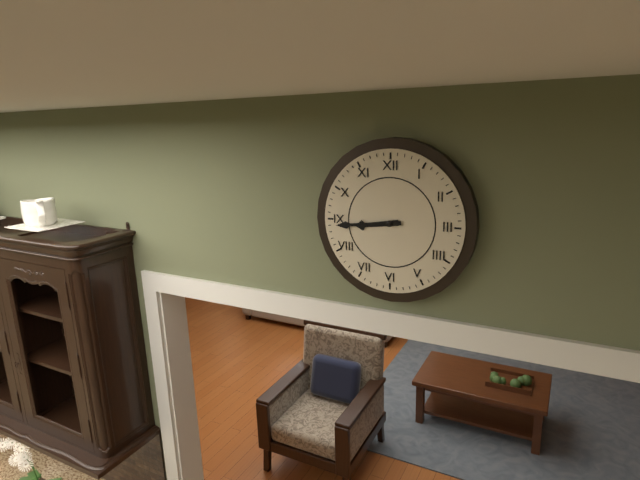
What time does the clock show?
8:44
